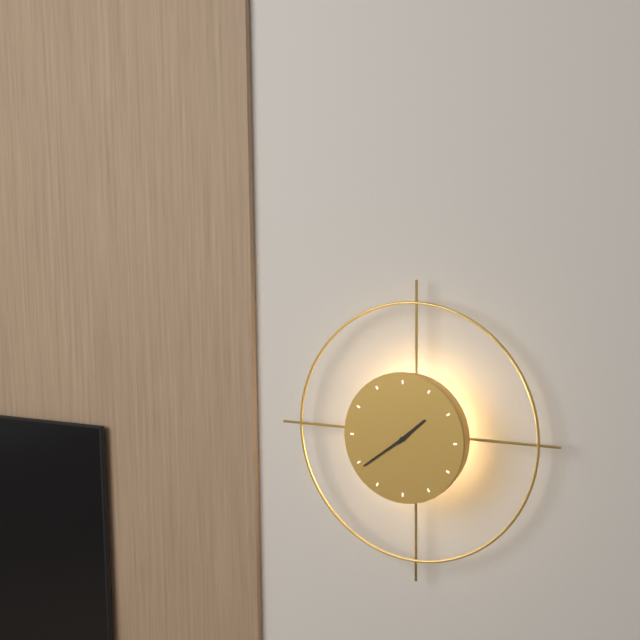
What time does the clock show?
1:39
